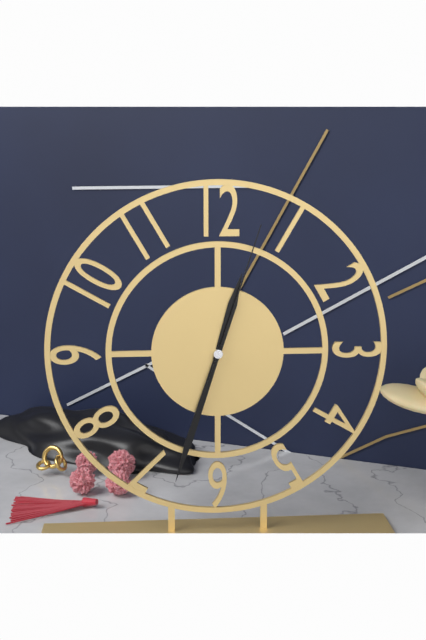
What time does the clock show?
12:33:03
